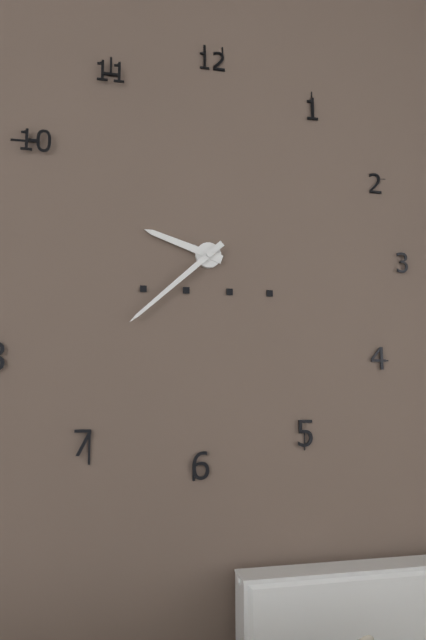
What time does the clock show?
9:38
